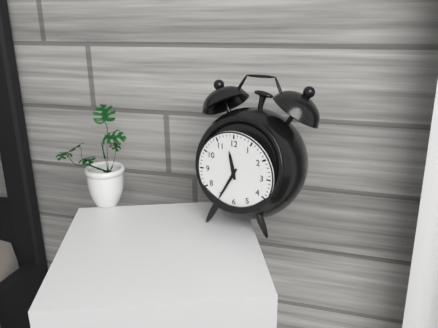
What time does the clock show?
11:35
